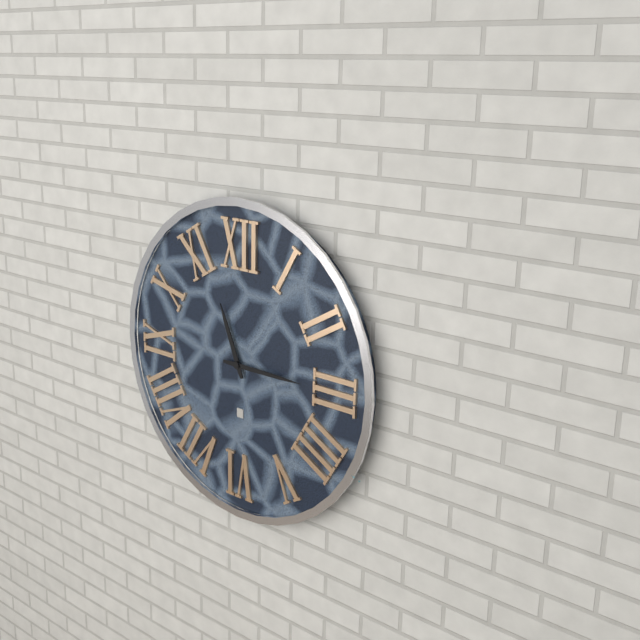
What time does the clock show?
11:15
